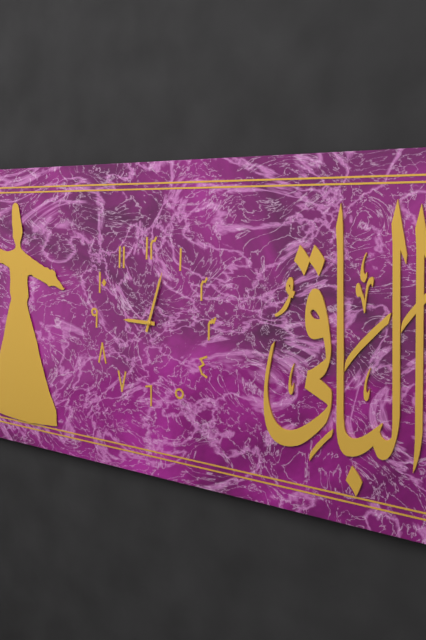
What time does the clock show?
9:03
